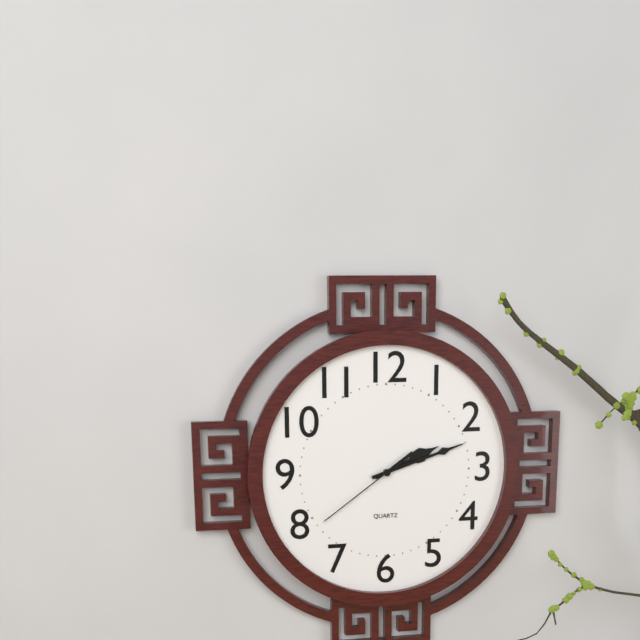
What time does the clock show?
2:12:39
